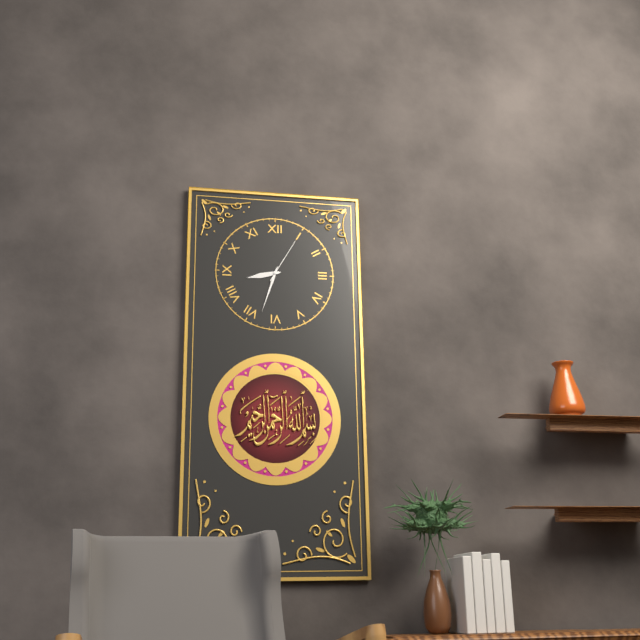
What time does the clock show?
8:33
